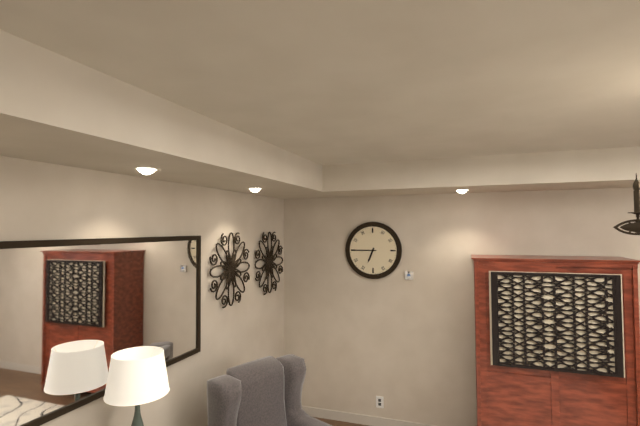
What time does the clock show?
6:45
